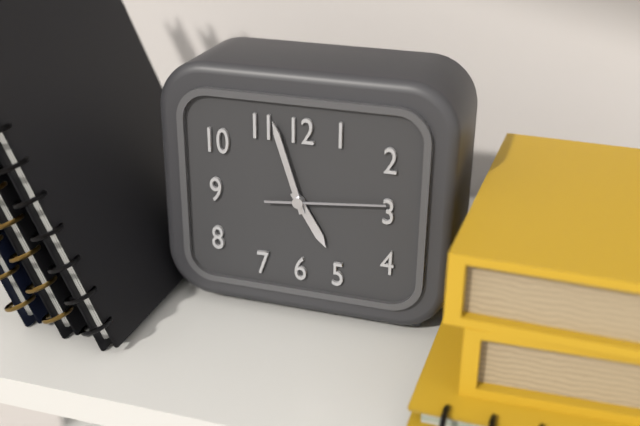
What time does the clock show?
4:57:14
